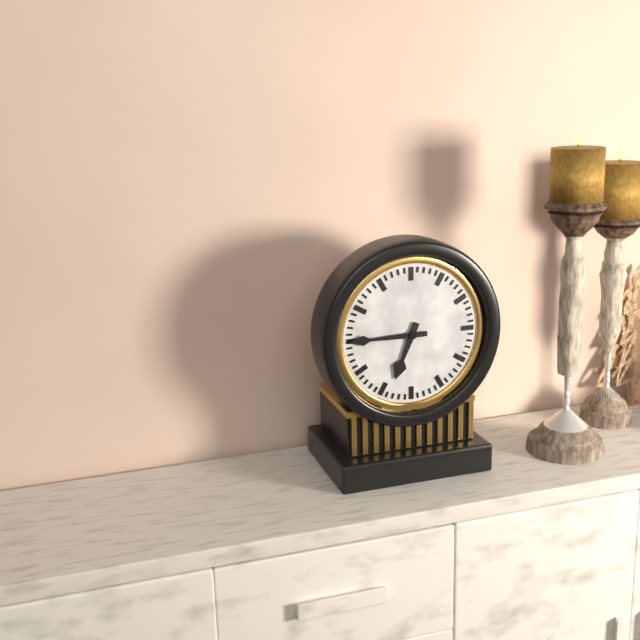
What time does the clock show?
6:45
